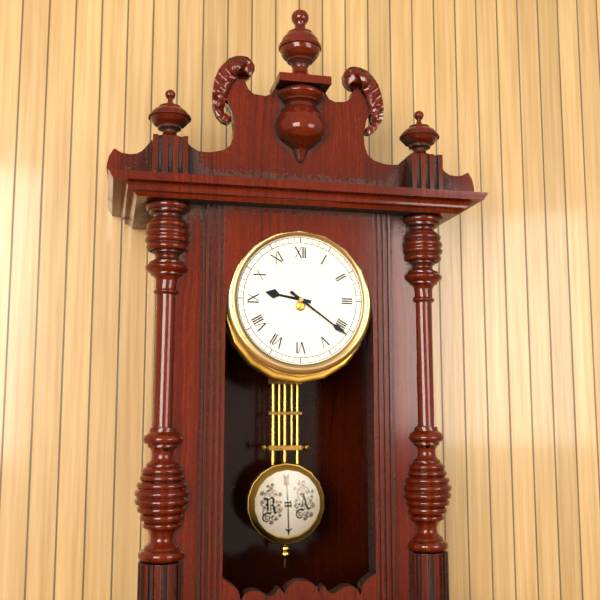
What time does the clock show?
9:21
